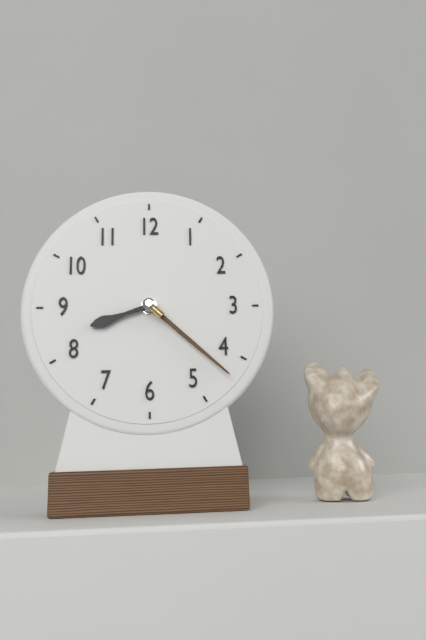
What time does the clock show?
8:22
